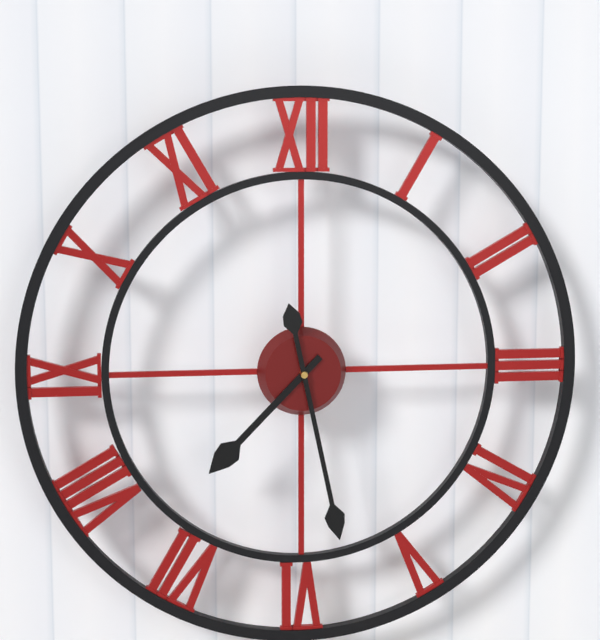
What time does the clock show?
7:28
